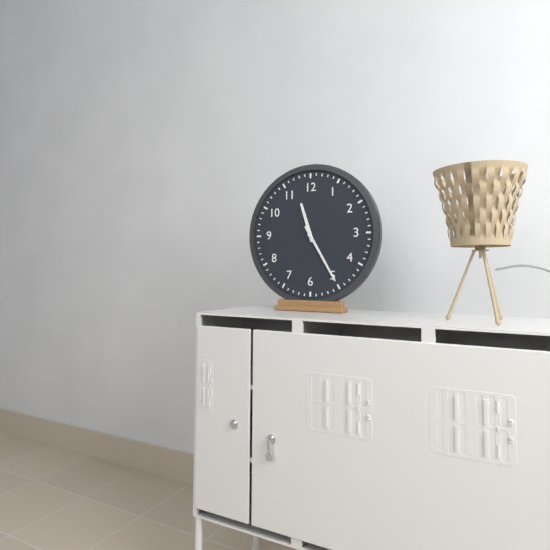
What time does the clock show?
11:25
